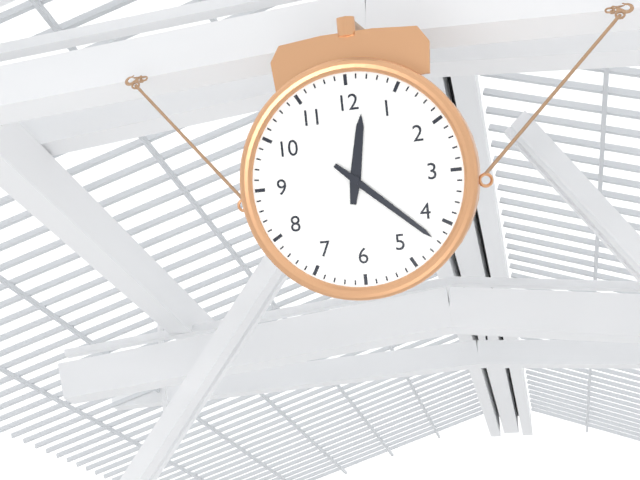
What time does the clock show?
12:22
